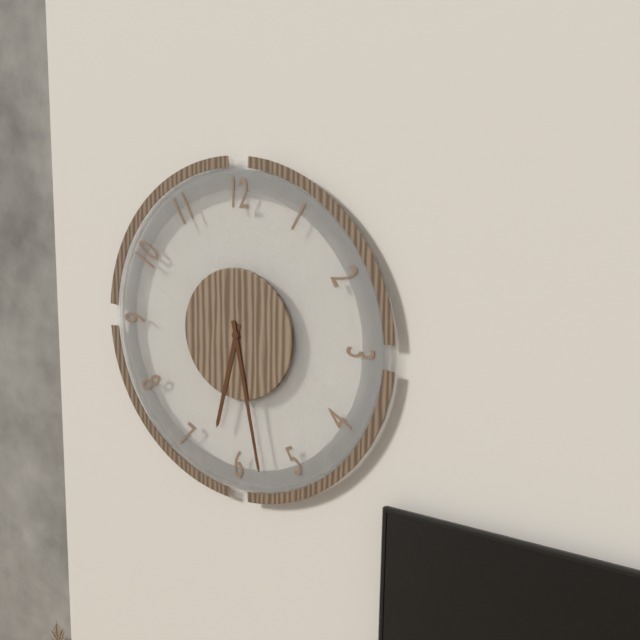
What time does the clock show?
6:28
